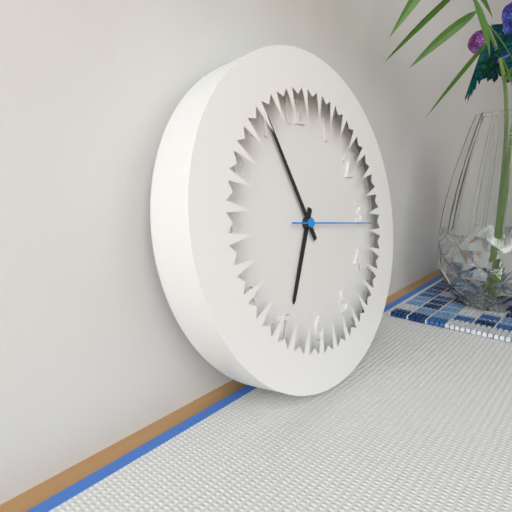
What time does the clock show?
6:56:16
